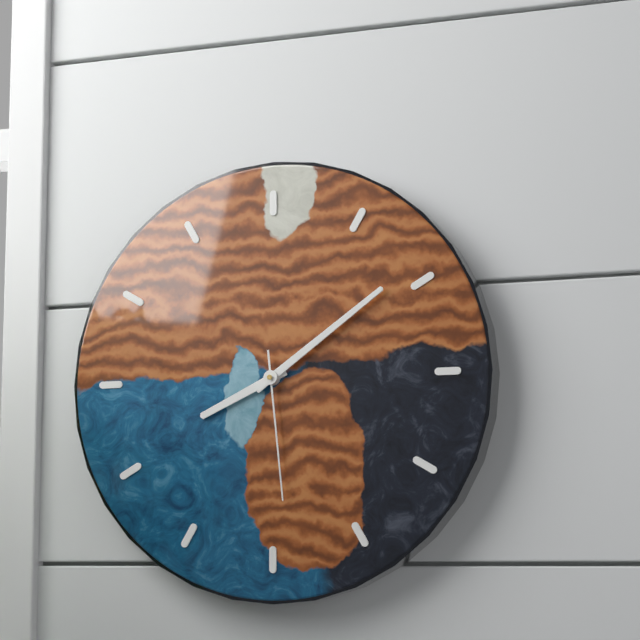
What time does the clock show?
8:09:29
